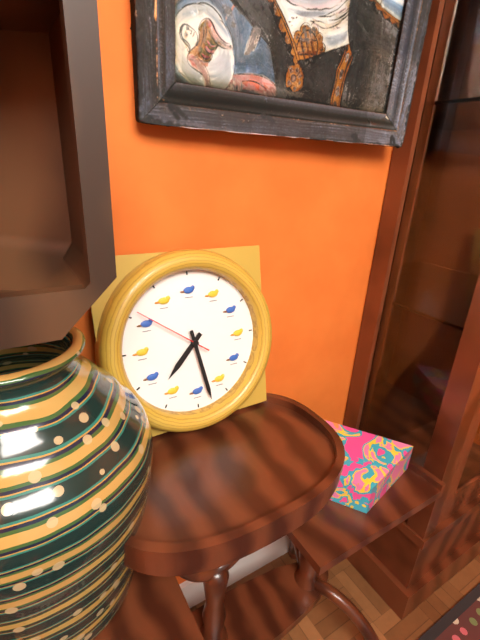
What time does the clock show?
7:28:51
